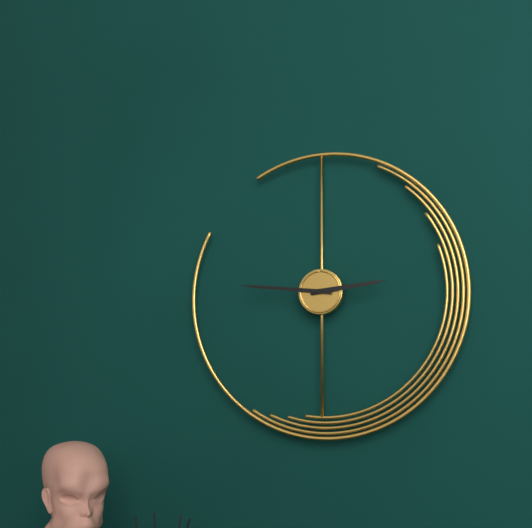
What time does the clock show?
2:46
